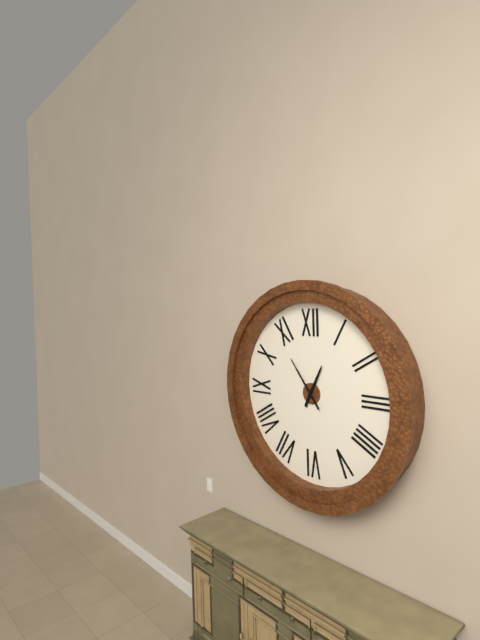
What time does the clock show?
12:54
